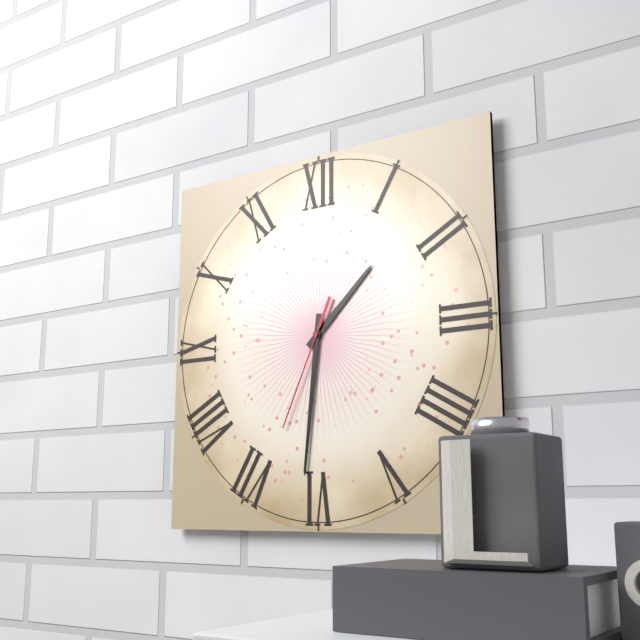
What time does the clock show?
1:31:34
